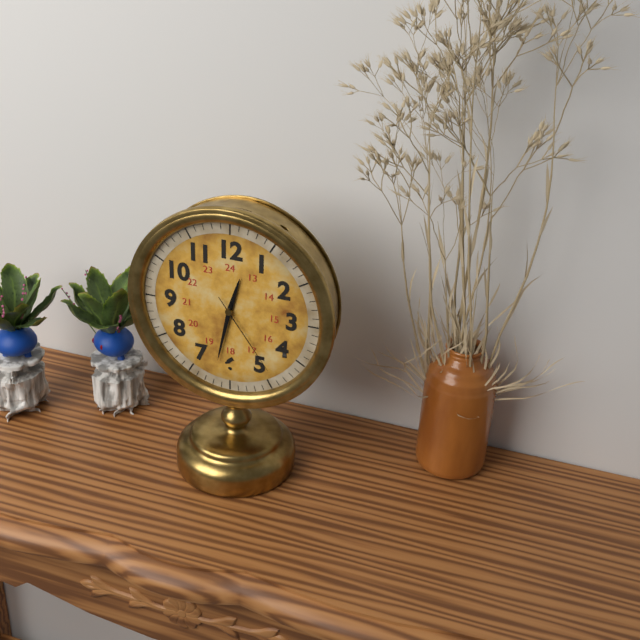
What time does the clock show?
12:32:24
